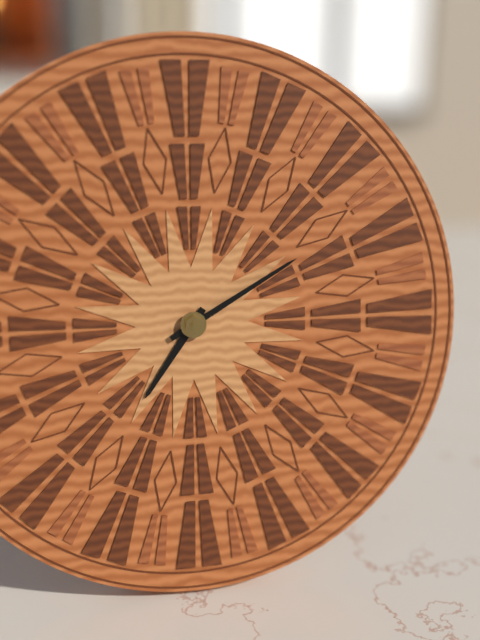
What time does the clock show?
7:10
